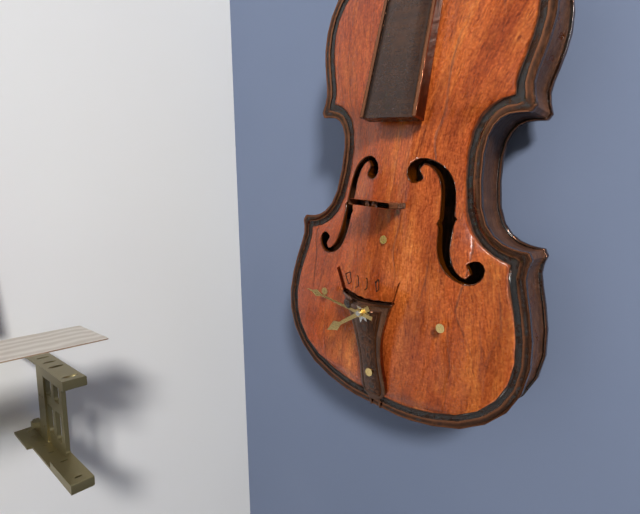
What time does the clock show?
7:46
